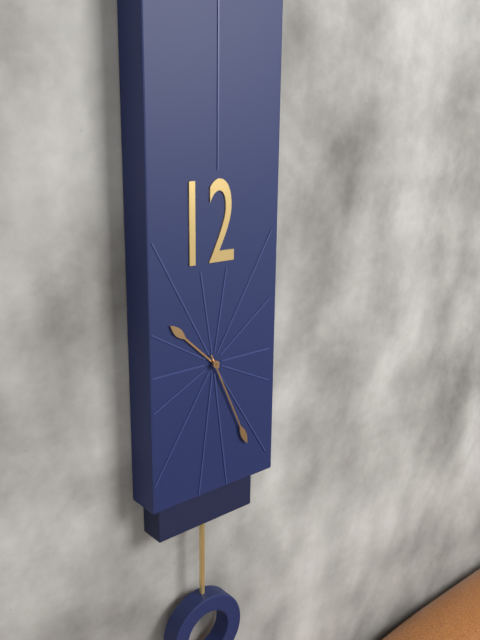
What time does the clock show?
10:26
